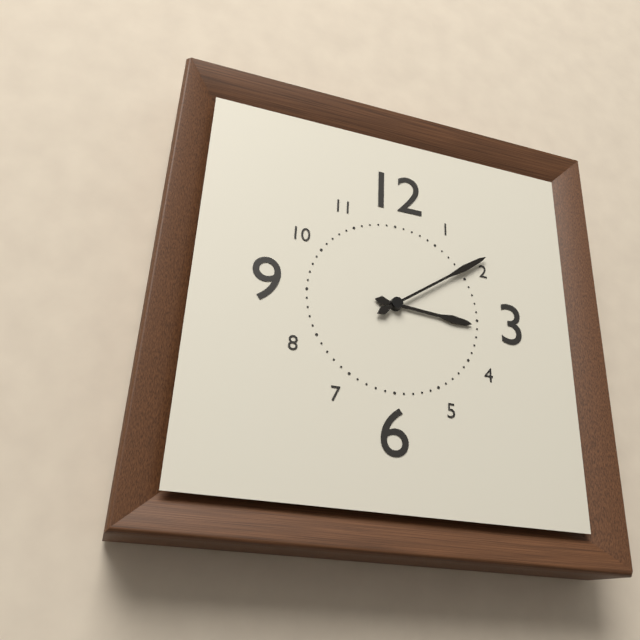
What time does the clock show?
3:09
